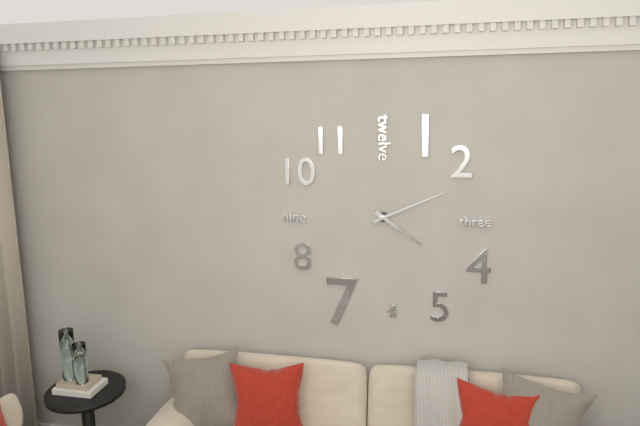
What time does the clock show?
4:11
